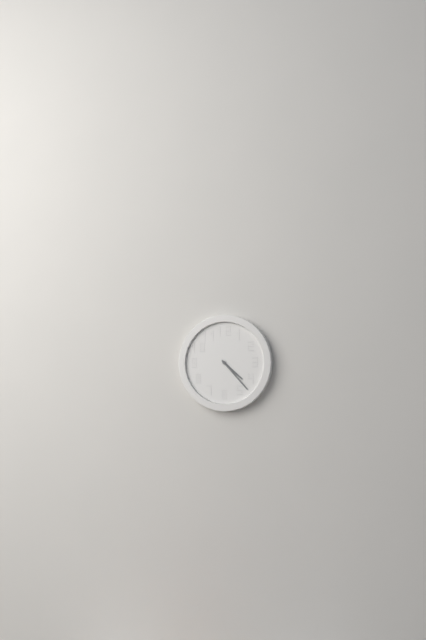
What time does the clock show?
4:23
